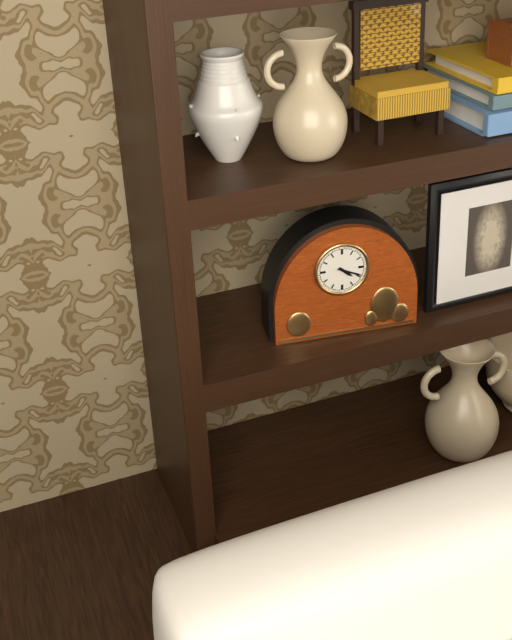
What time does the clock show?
4:19
